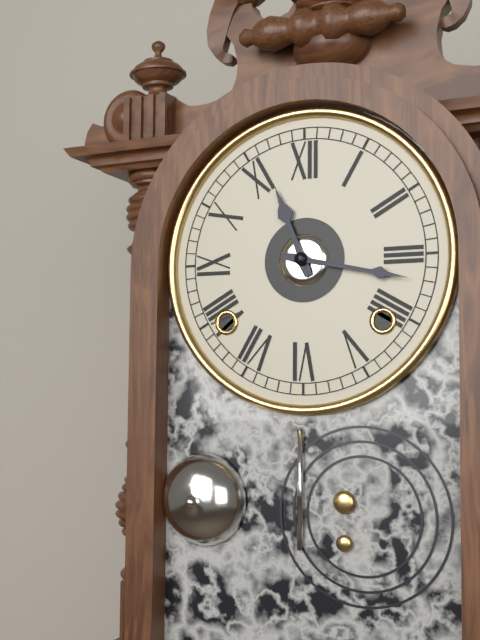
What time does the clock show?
11:17
